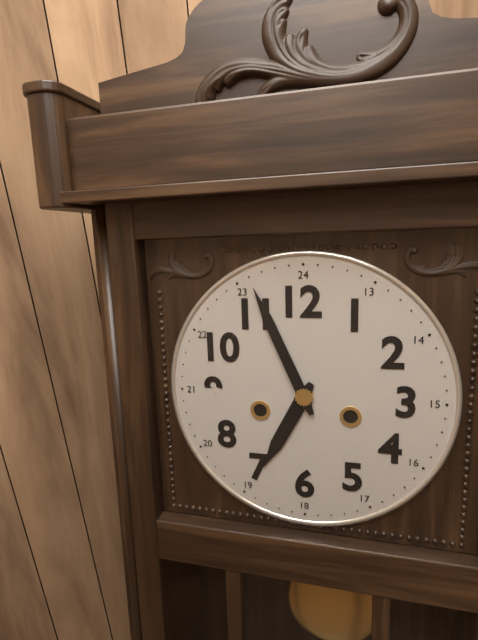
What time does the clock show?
6:56
